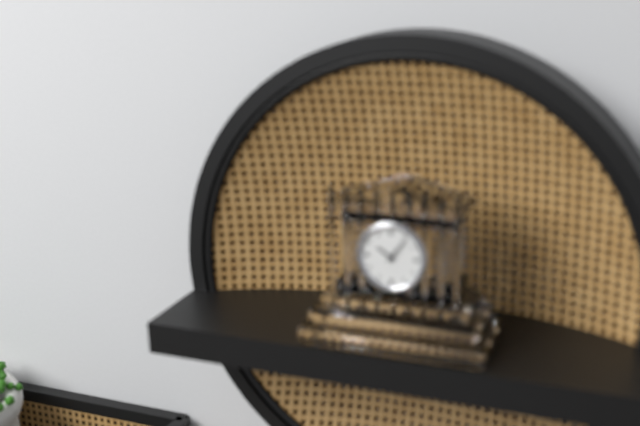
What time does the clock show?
10:06
